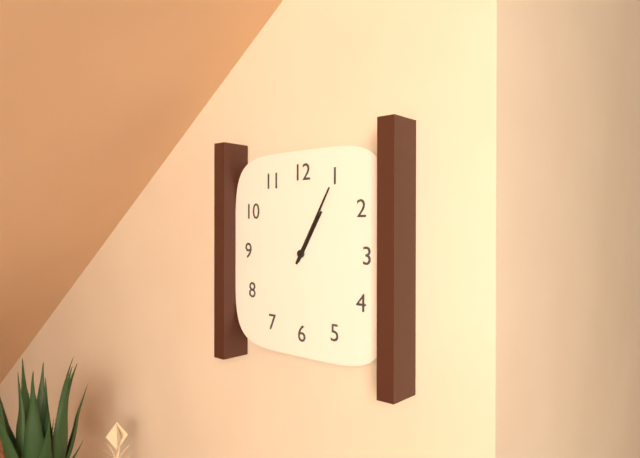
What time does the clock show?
1:05
